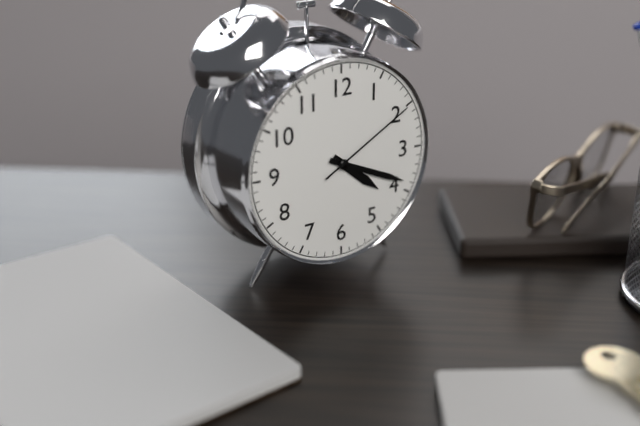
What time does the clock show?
4:19:10
